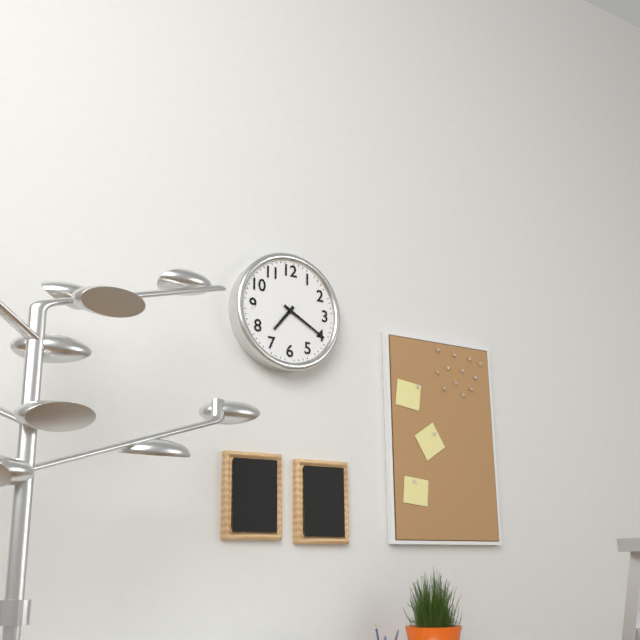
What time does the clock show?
7:20
